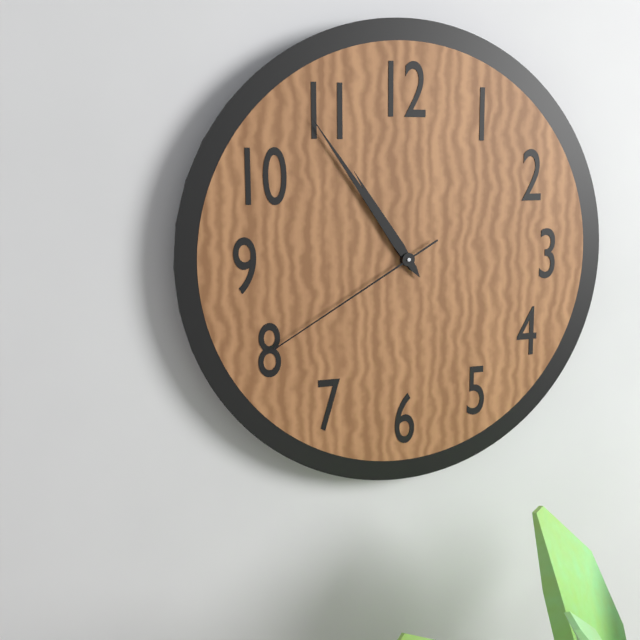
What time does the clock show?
10:54:40
